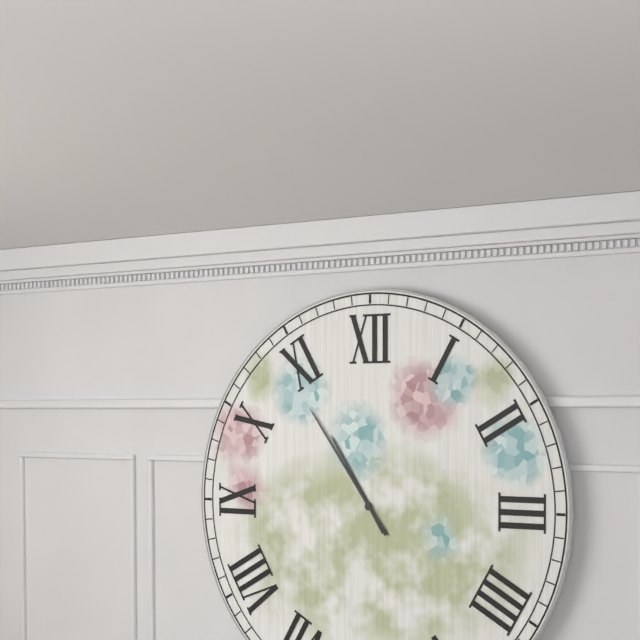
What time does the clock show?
10:54
